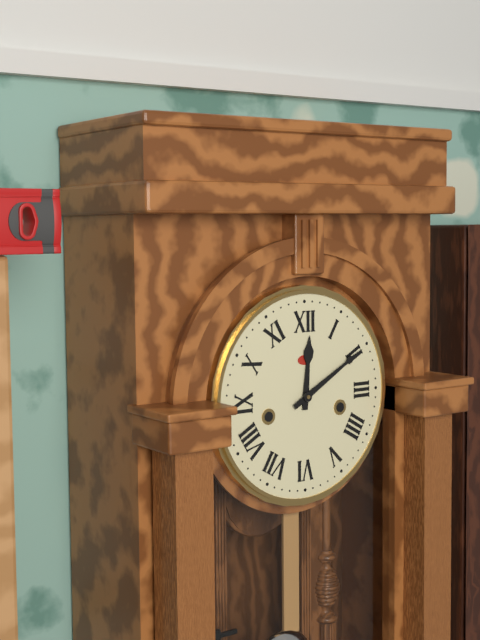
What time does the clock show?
12:10
